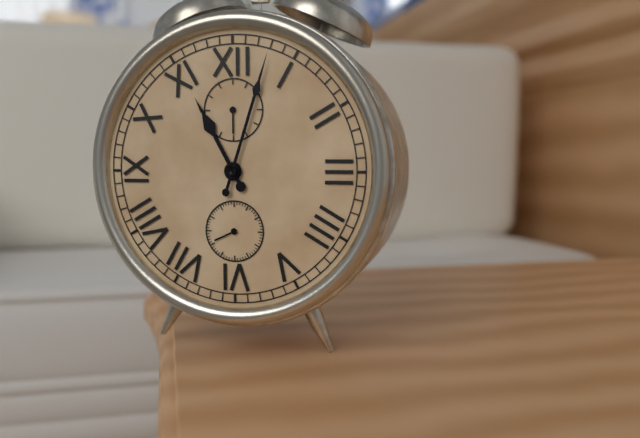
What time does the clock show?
11:03
